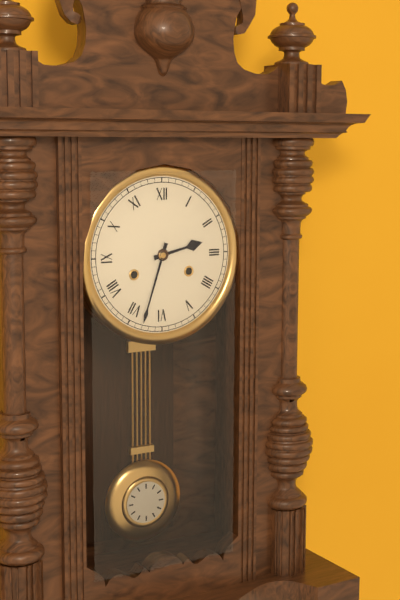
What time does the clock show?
2:33
